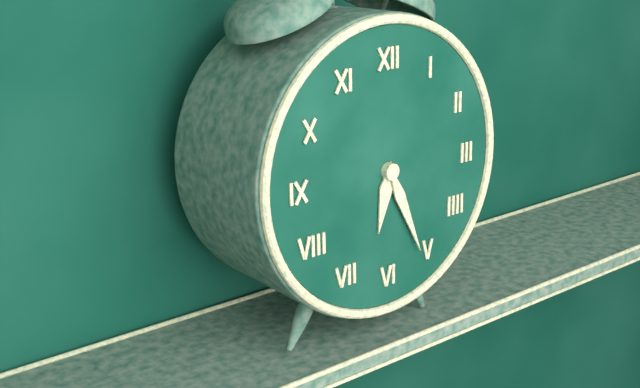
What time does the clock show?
6:26
